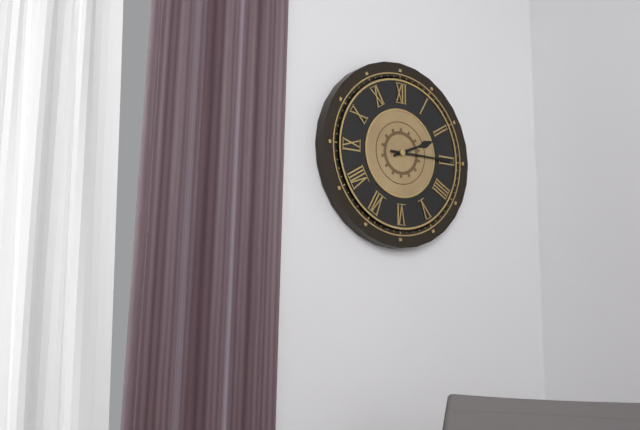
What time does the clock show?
2:15
